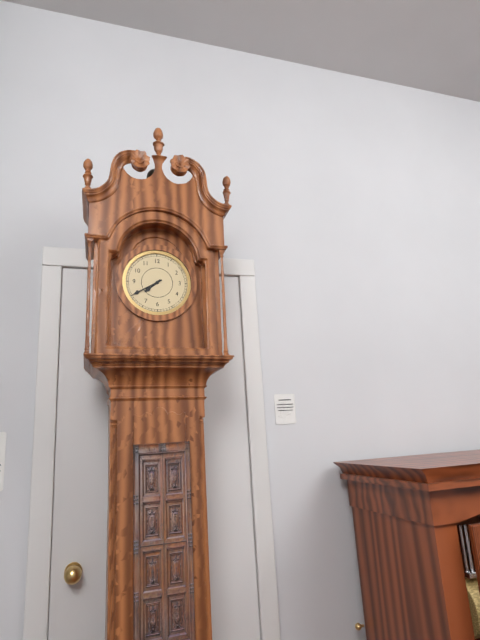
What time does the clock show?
7:40
